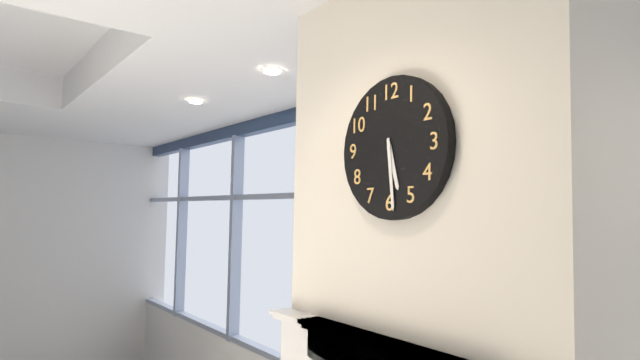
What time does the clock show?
5:29
